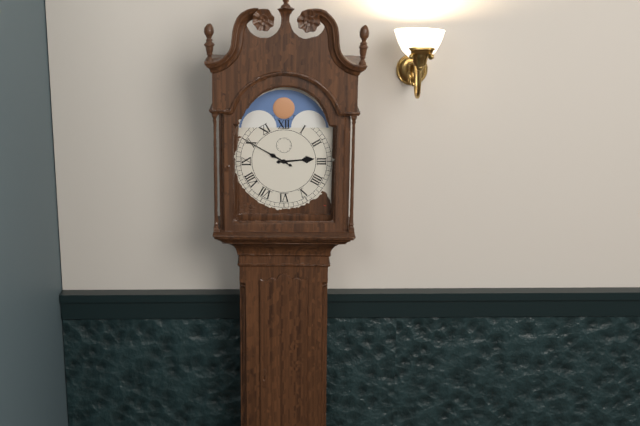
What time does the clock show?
2:50
